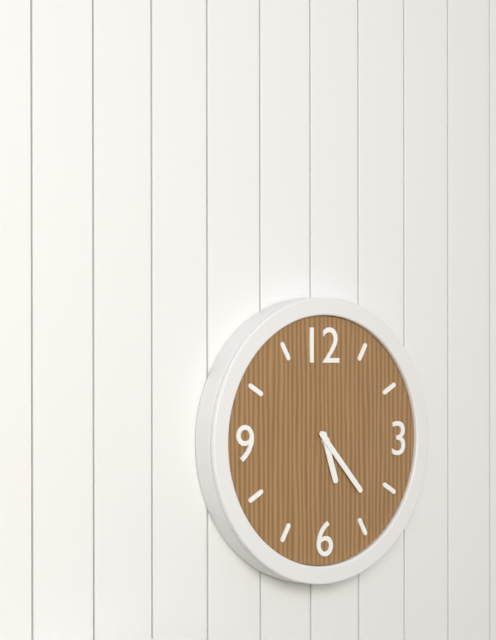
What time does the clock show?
5:23
